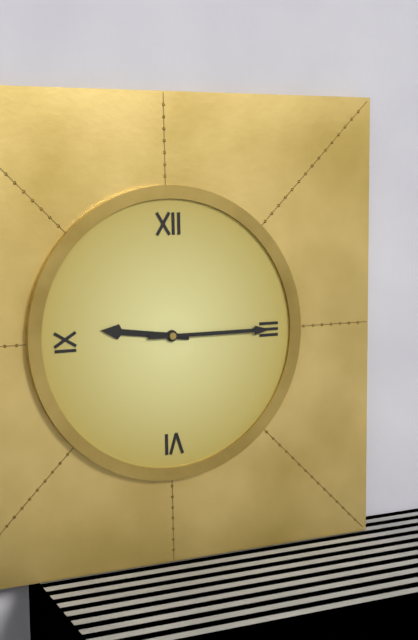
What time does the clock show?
9:15
